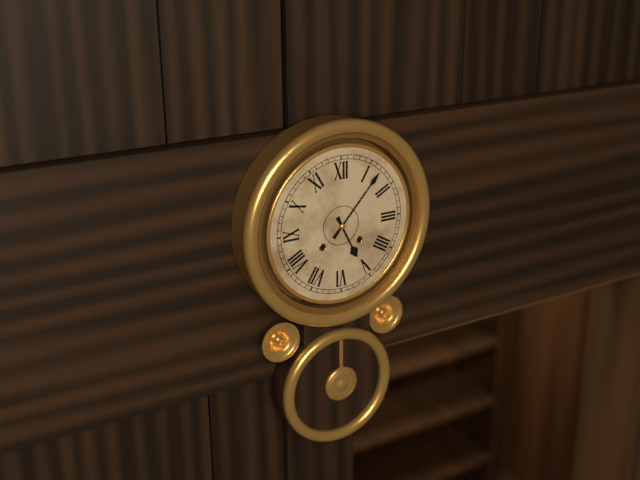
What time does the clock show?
5:07
